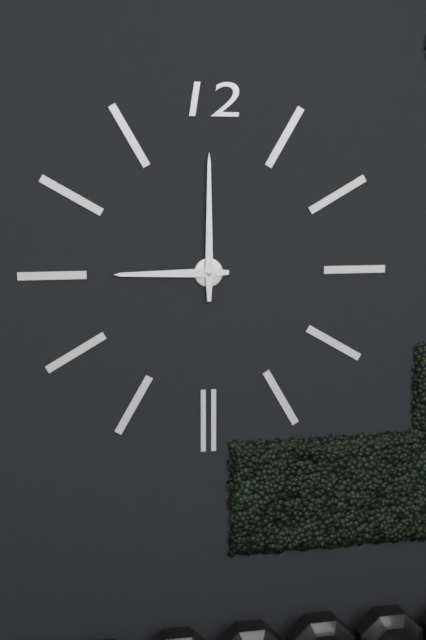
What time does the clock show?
9:00
